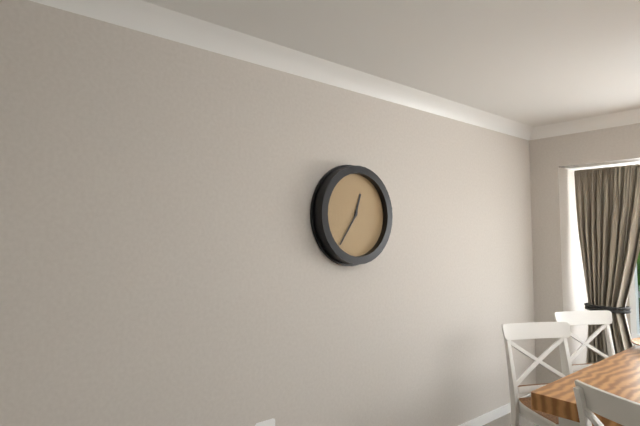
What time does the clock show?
12:36
